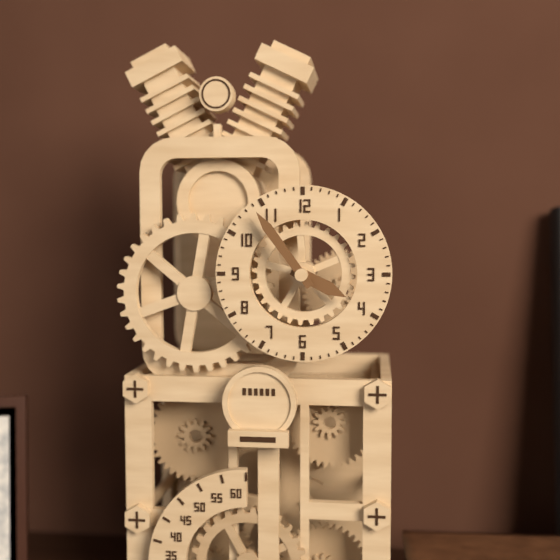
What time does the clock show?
3:54
